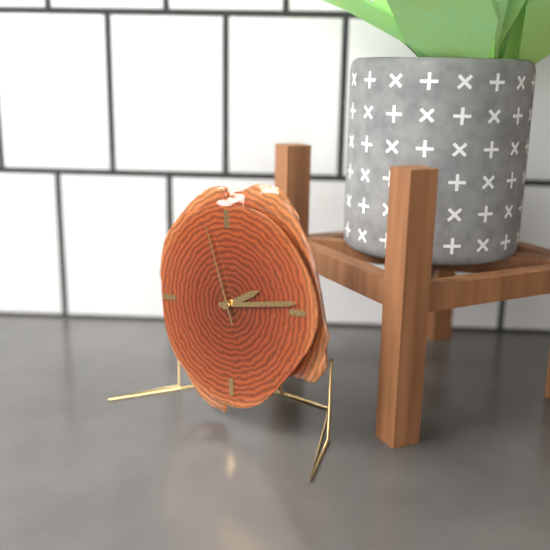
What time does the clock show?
2:14:57
